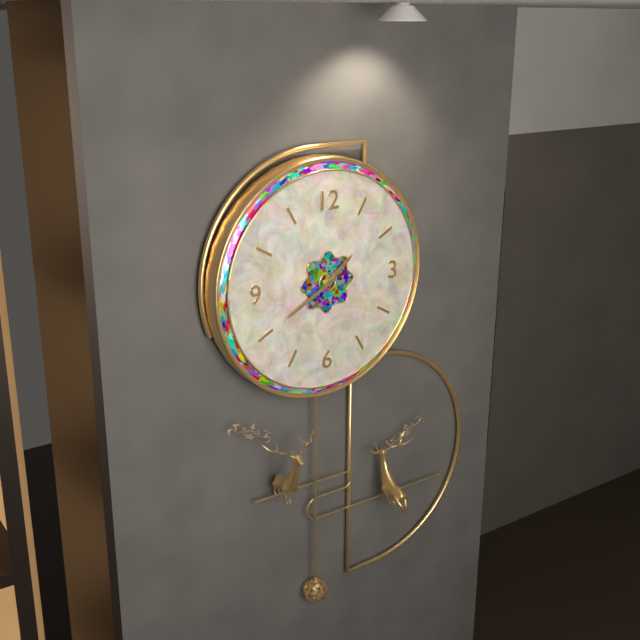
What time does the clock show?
1:40
